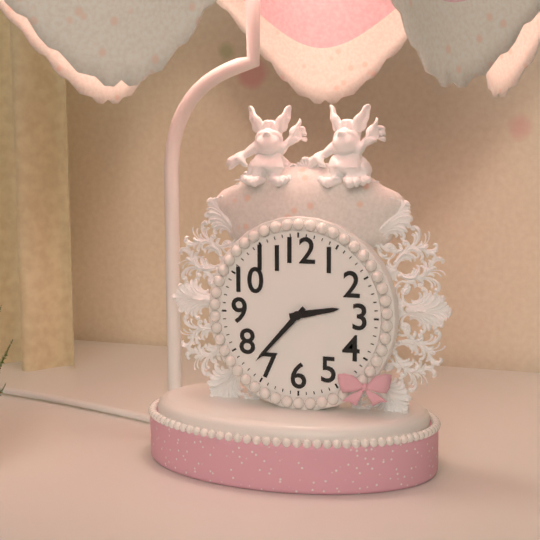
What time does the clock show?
2:37
